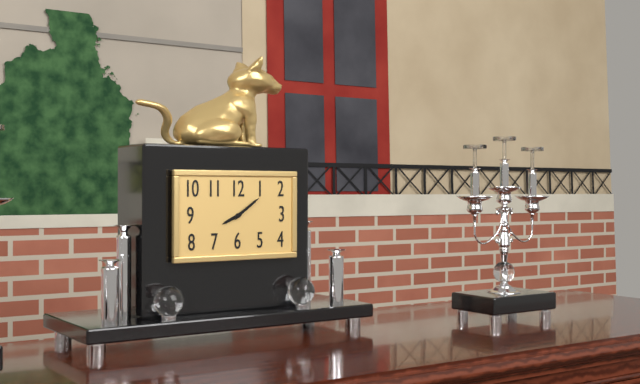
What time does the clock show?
8:09
